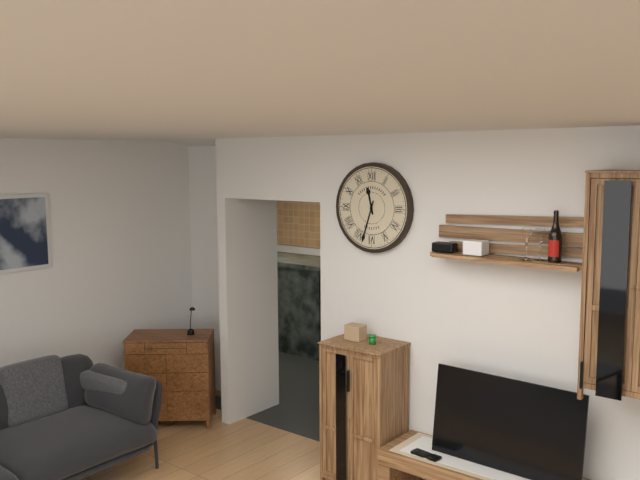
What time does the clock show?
11:33
